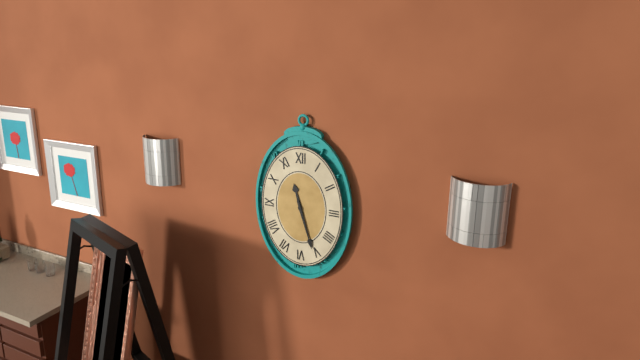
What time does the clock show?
11:27
